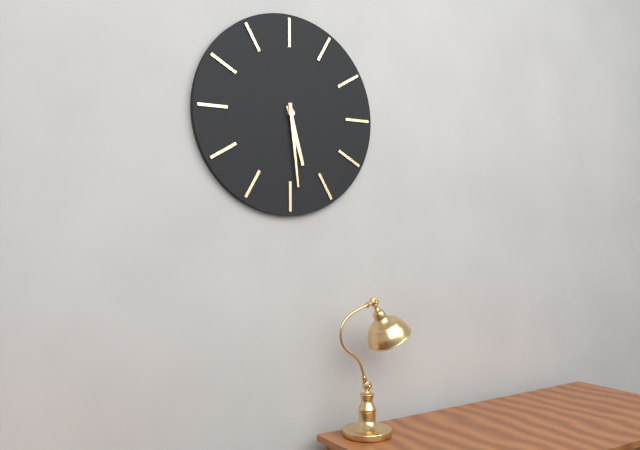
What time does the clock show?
5:29
